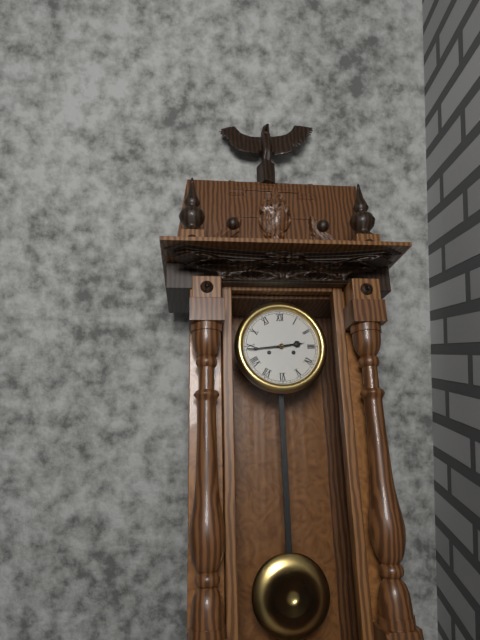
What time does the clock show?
2:44
